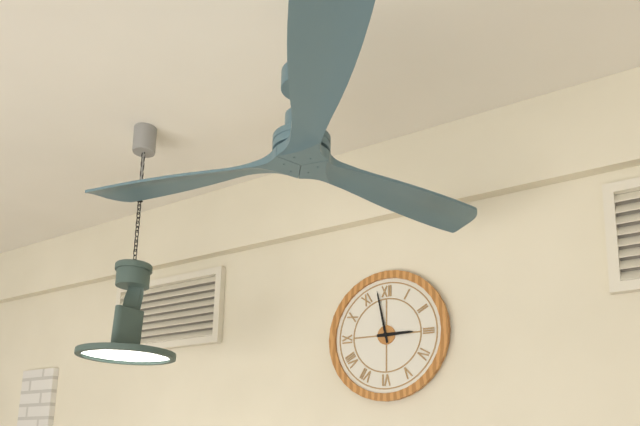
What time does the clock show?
2:58
